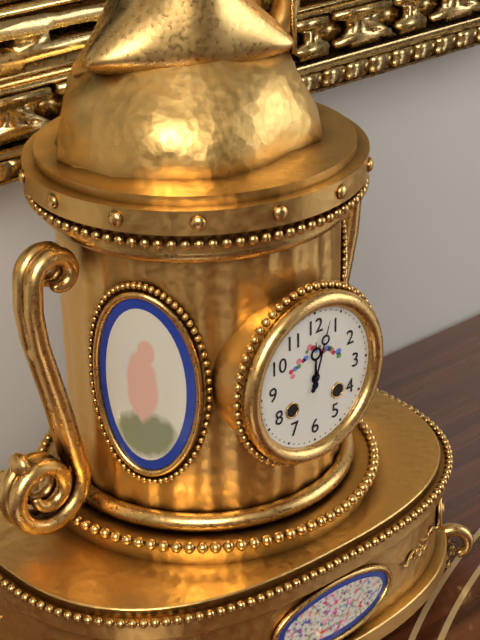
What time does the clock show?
12:03
